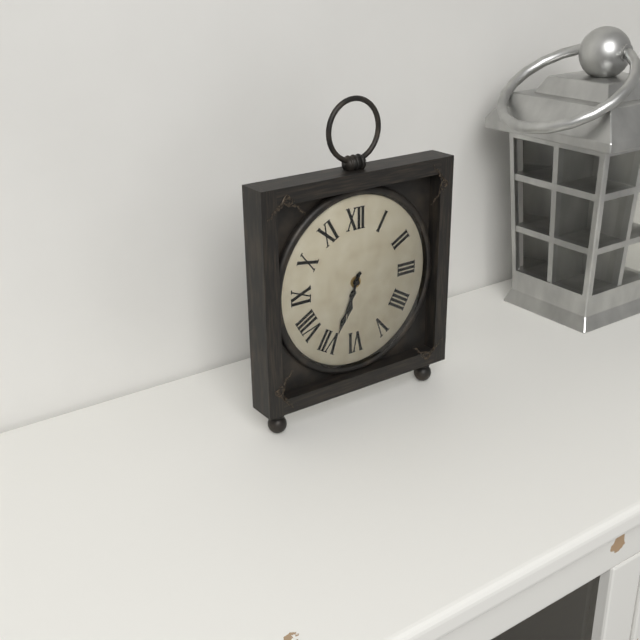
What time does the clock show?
6:34
